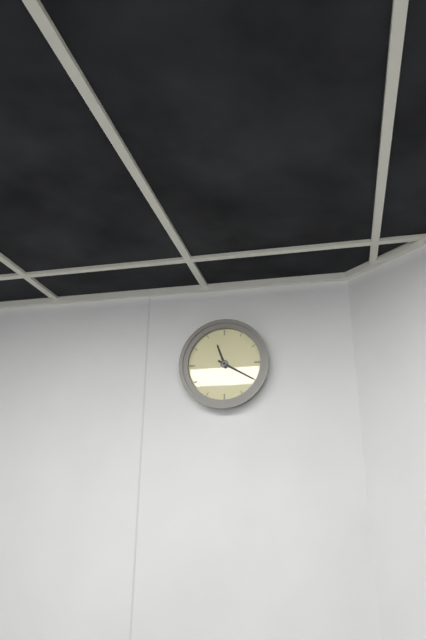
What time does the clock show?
11:20
